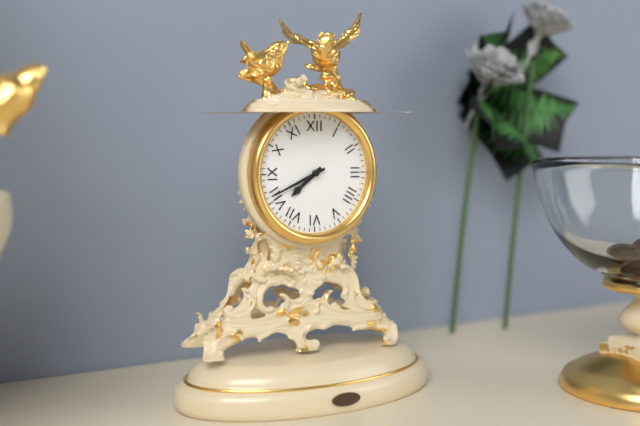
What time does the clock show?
7:41
